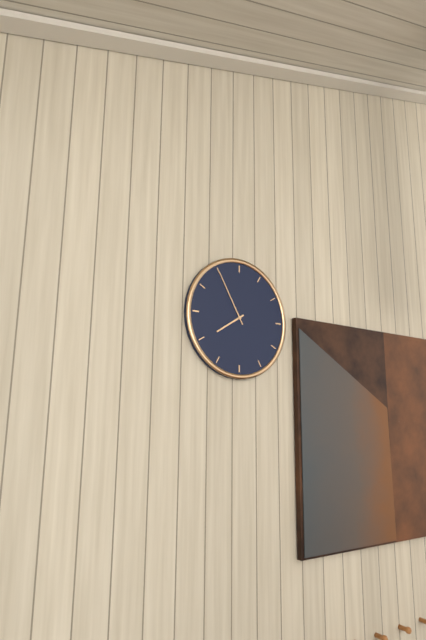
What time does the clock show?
7:55
